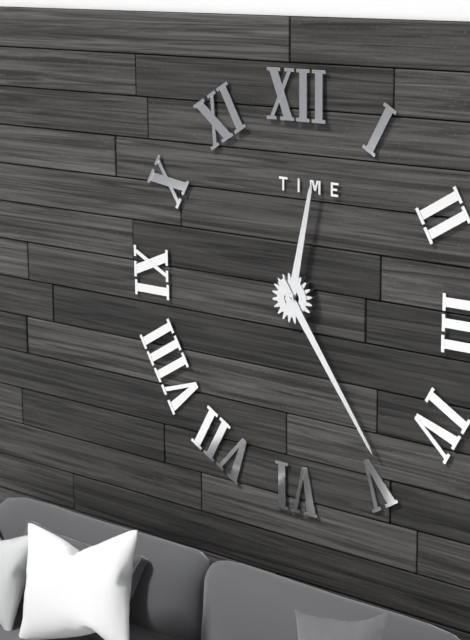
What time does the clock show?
12:24
